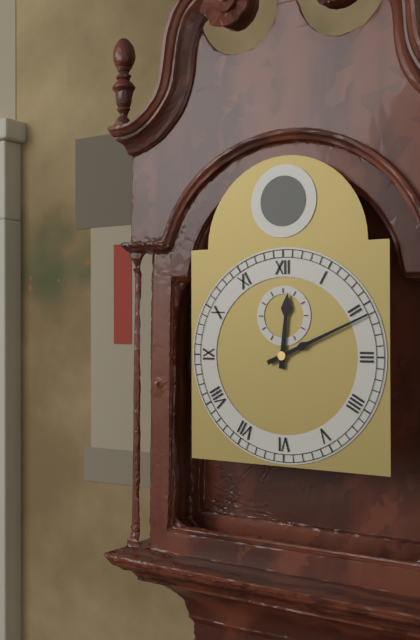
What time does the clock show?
12:11
